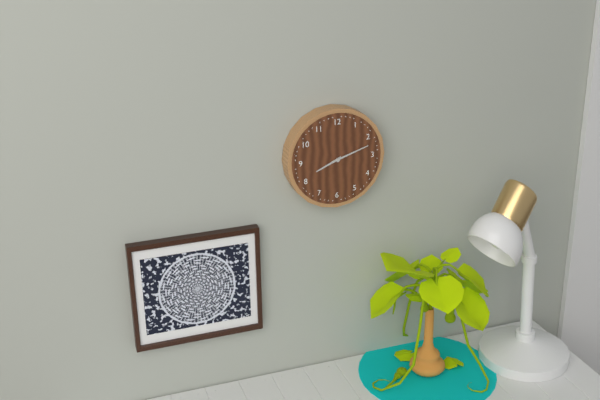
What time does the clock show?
8:12
